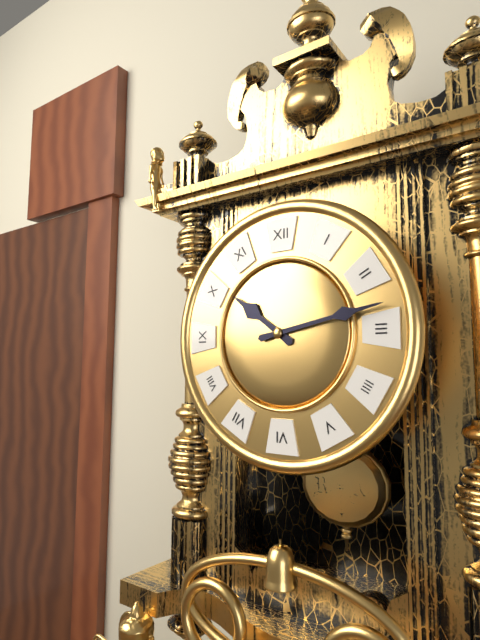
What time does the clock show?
10:13
